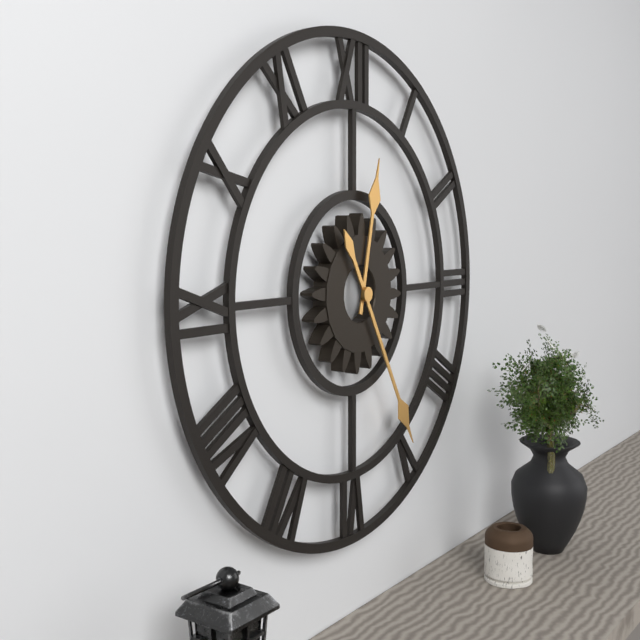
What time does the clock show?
12:25
